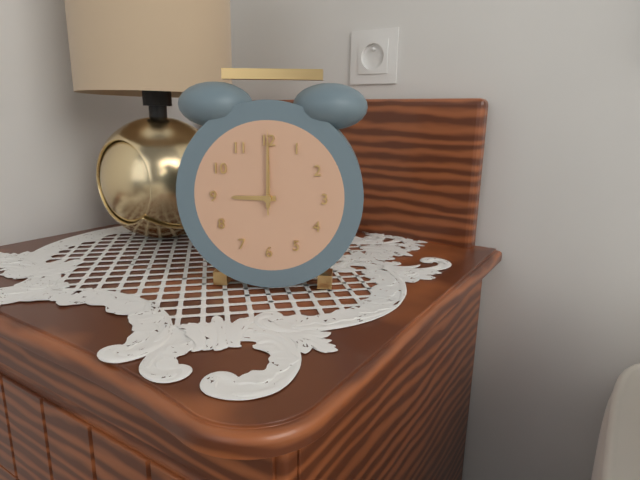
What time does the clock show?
9:00:00
